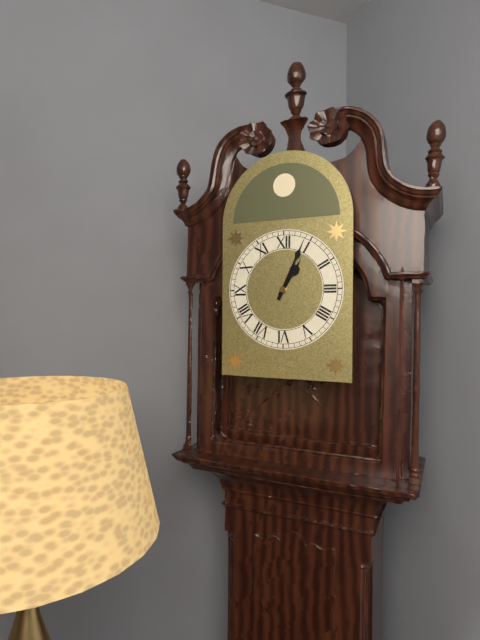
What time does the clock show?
1:04
